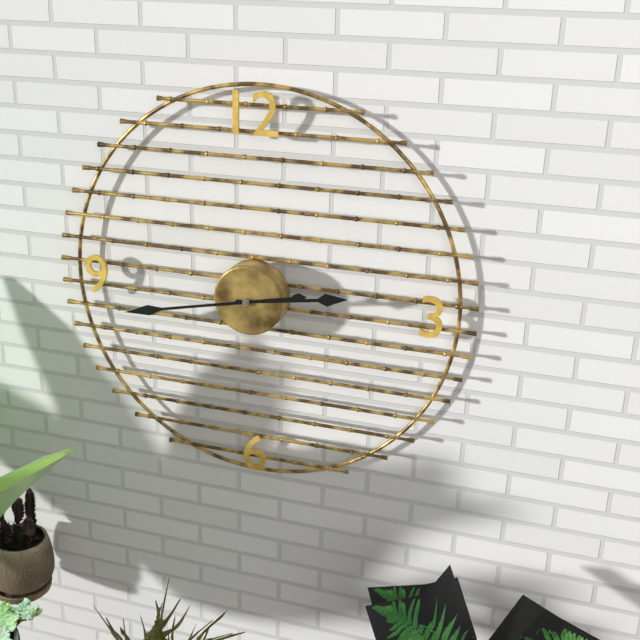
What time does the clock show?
2:43
